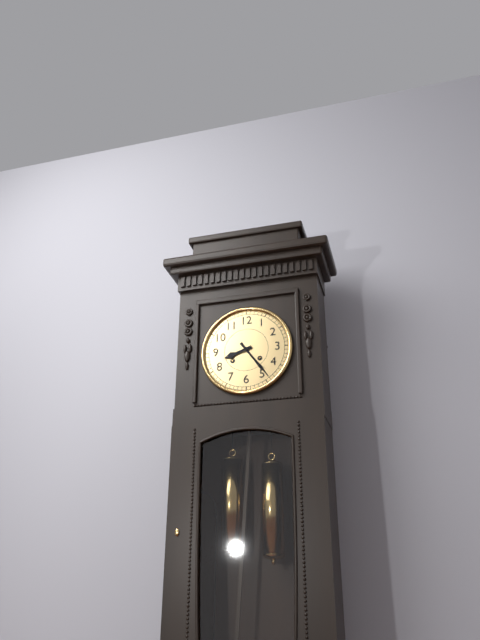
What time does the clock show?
8:24
